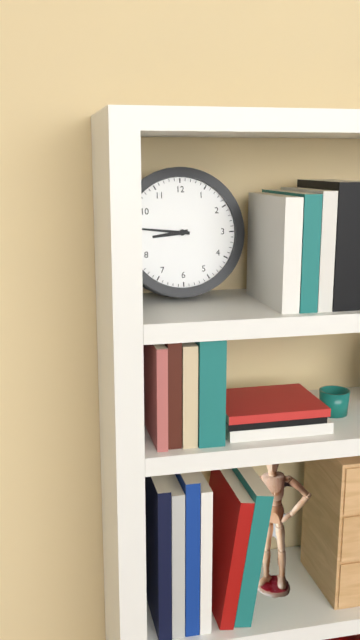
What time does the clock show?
8:46
